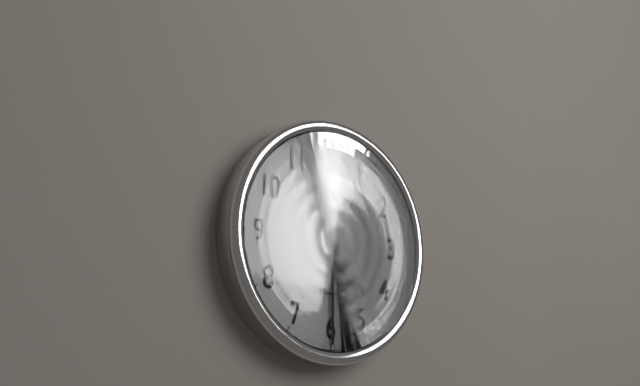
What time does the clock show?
4:30
